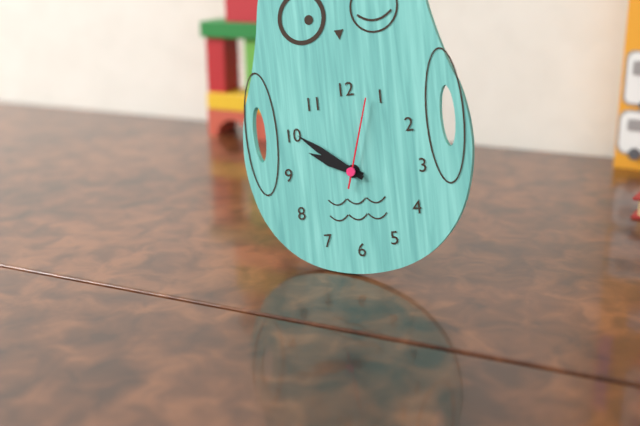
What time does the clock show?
9:51:03
